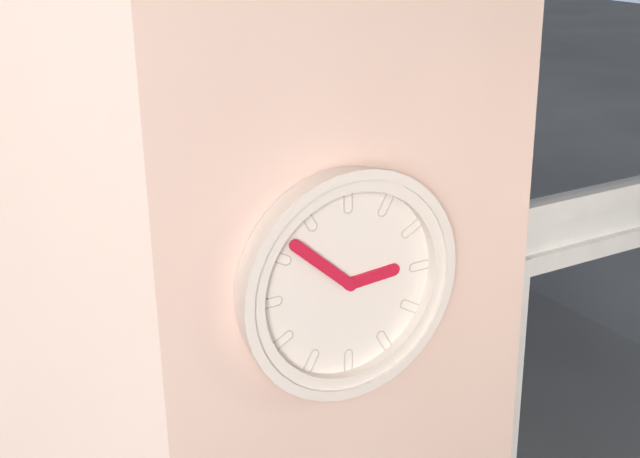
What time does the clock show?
2:52
